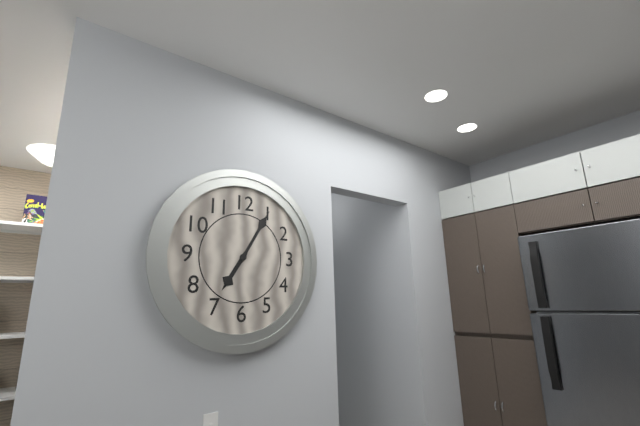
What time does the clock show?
7:05
